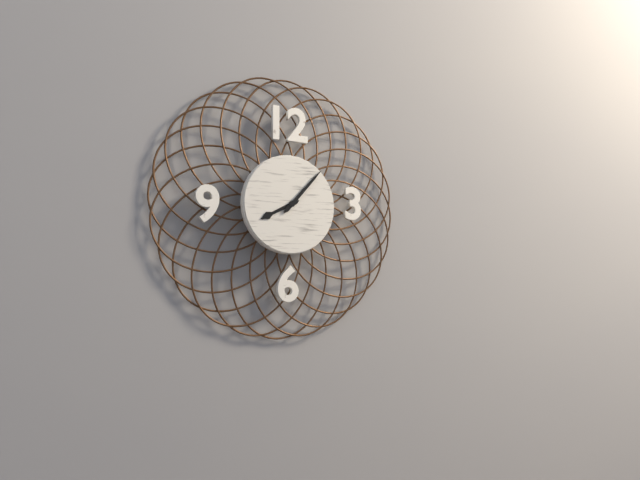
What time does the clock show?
8:07
